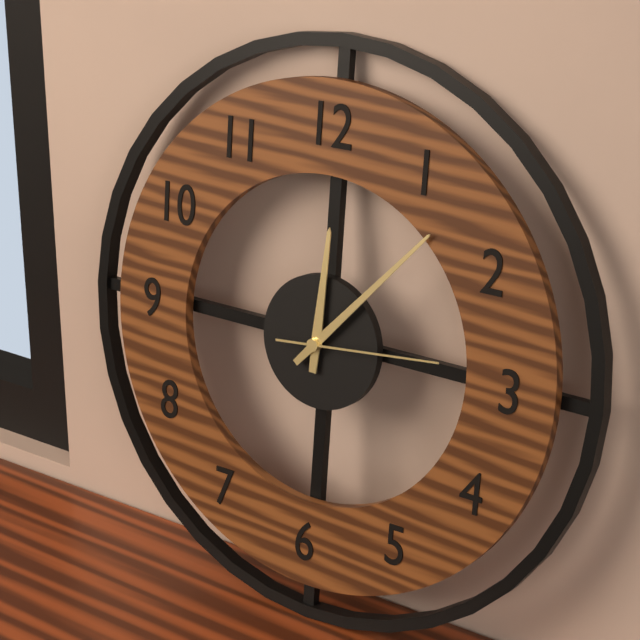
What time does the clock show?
12:07:14
